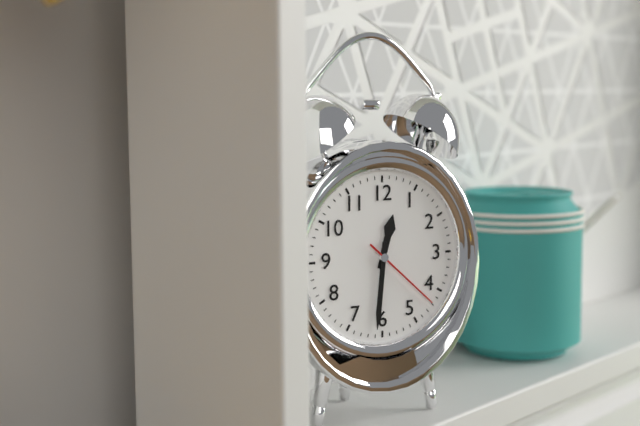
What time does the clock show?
12:31:22
